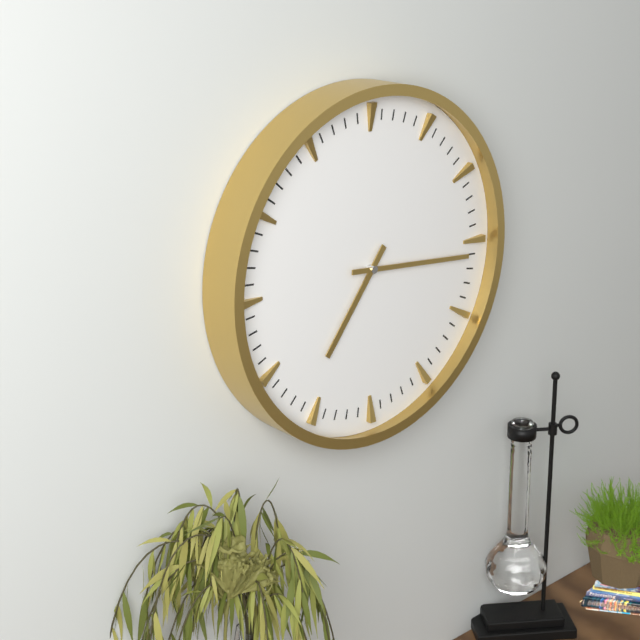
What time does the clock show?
7:16
